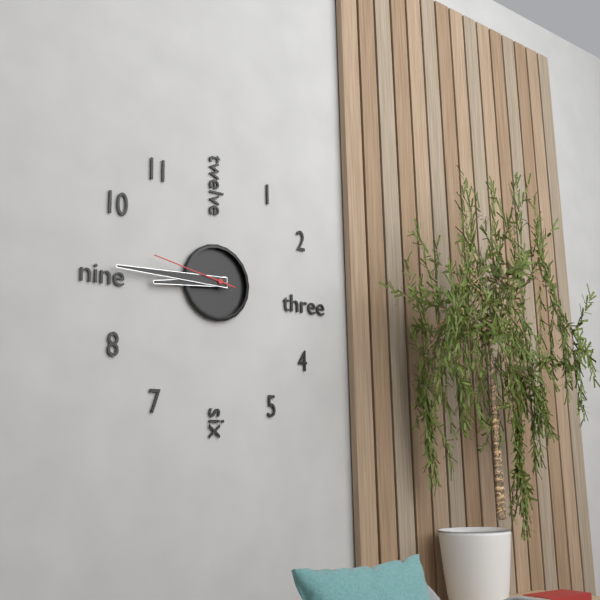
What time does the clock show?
8:45:47
